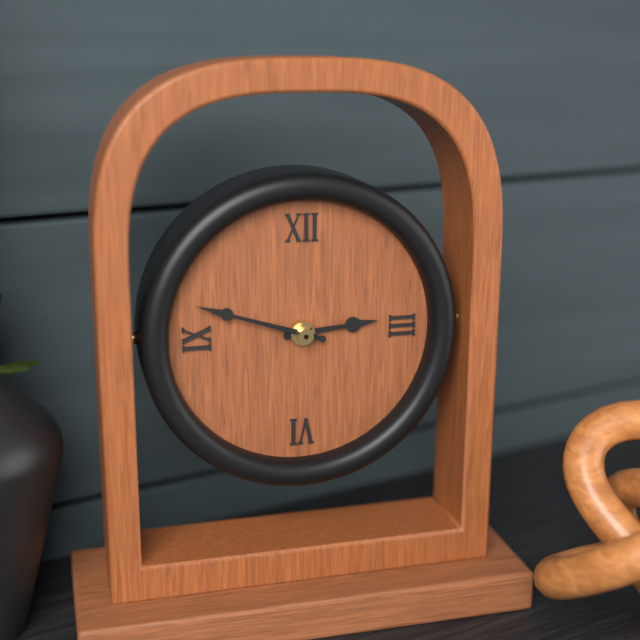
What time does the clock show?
2:48
